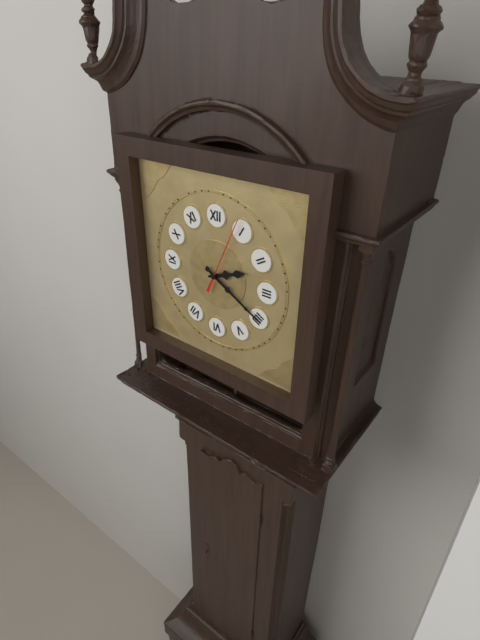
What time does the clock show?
2:20:04
